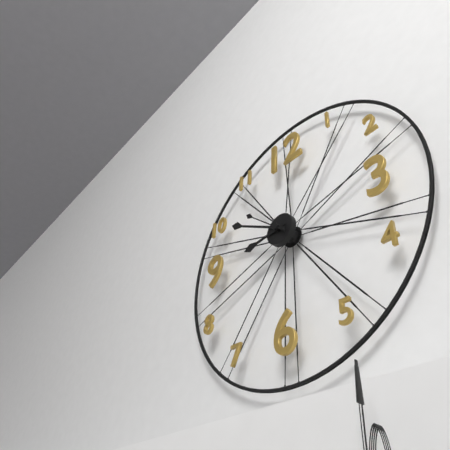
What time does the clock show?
8:50
